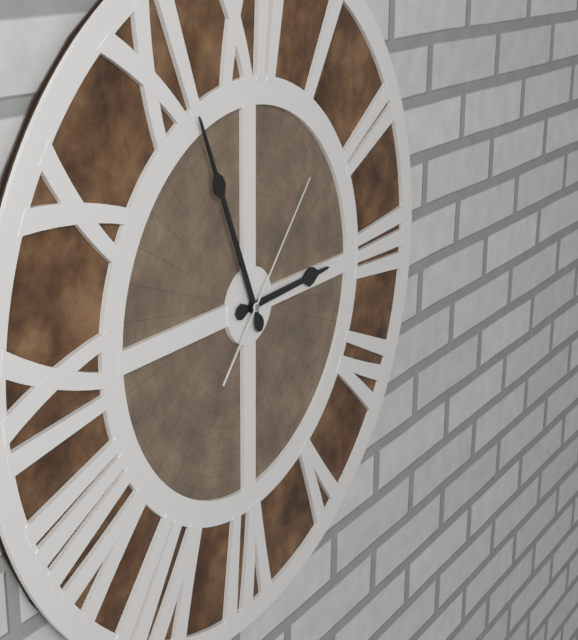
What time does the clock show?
2:56:07
